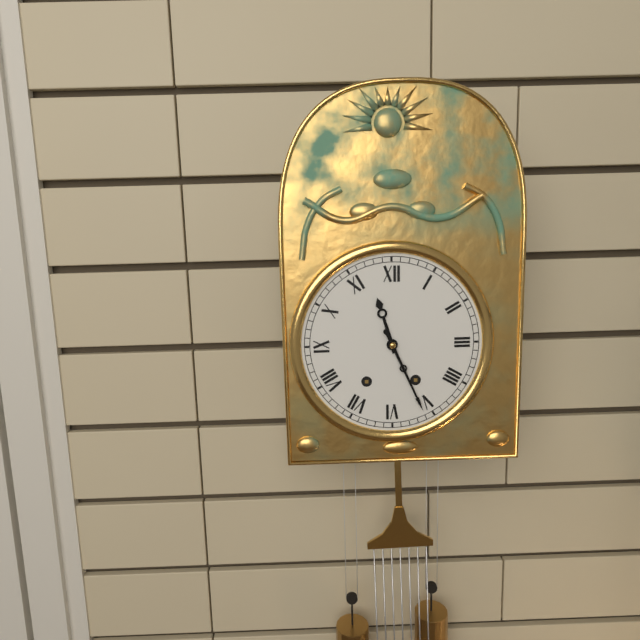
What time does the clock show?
11:26
